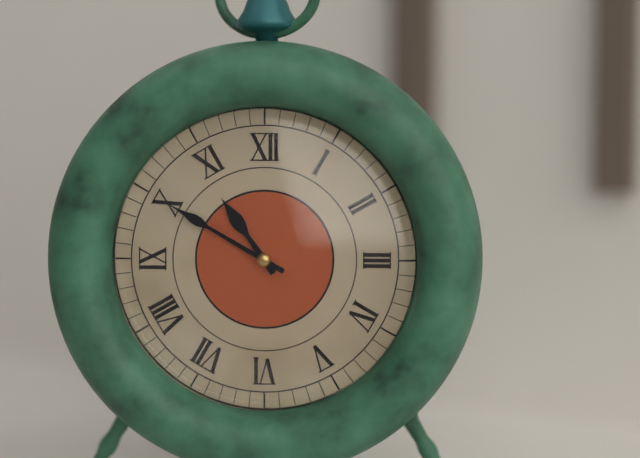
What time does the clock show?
10:50
